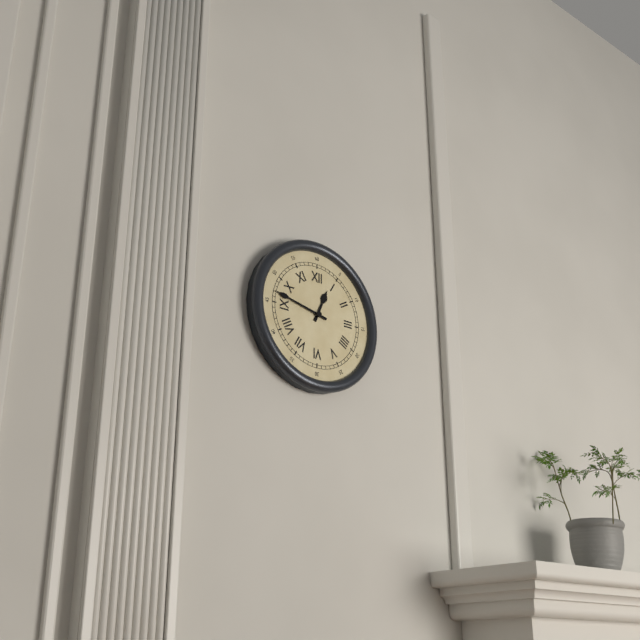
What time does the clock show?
12:47
